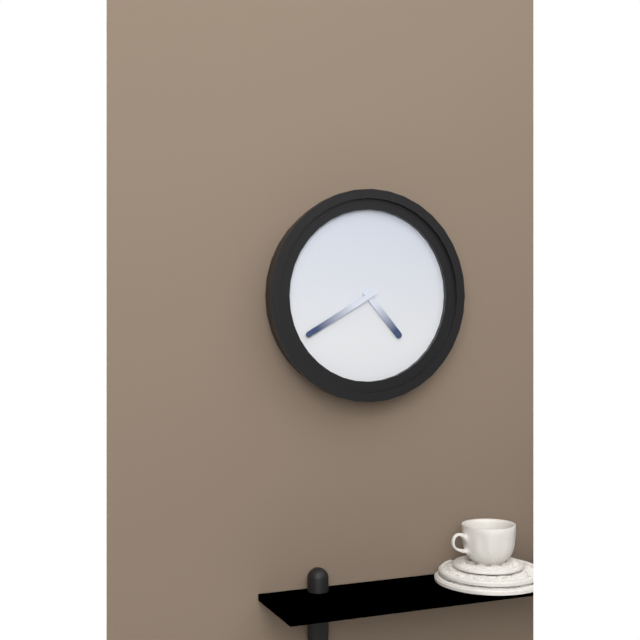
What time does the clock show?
4:40
